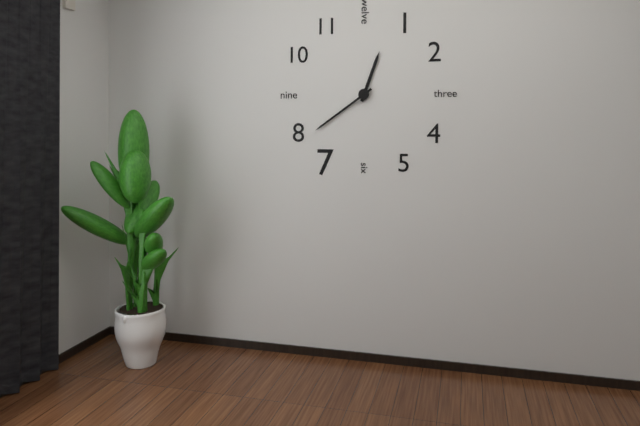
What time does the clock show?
12:39
